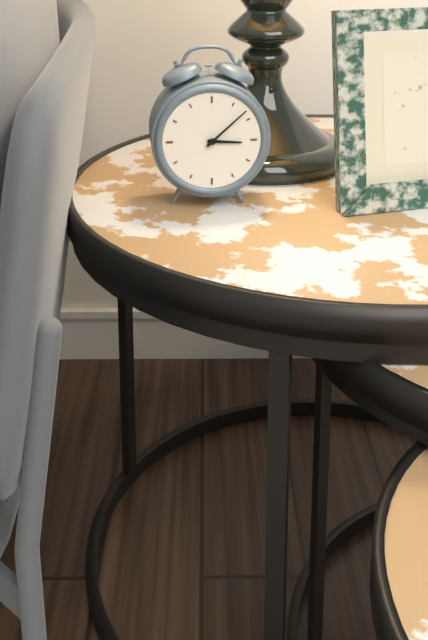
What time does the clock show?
3:08
